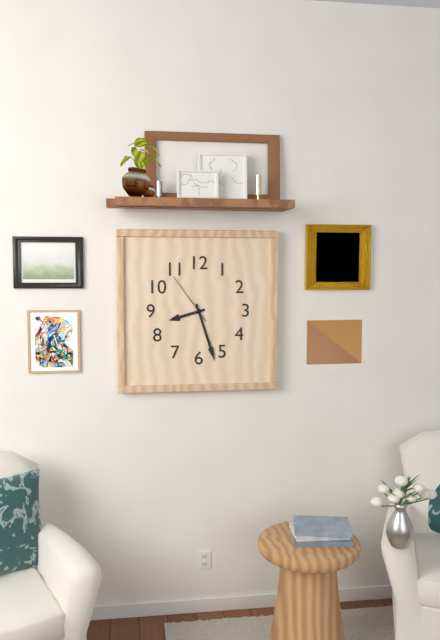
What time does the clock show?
8:27:54
